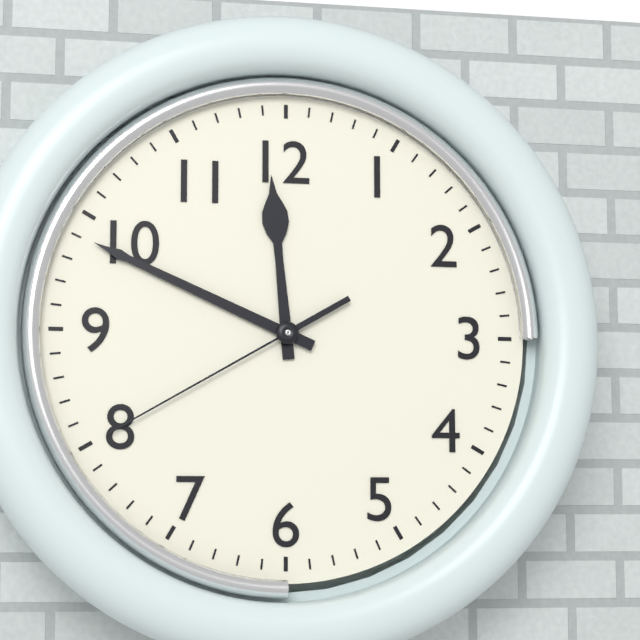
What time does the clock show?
11:49:40
